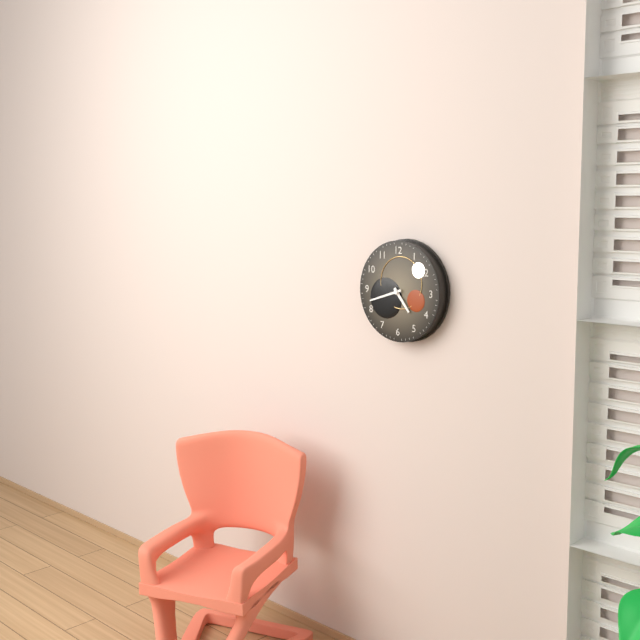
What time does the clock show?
4:42
